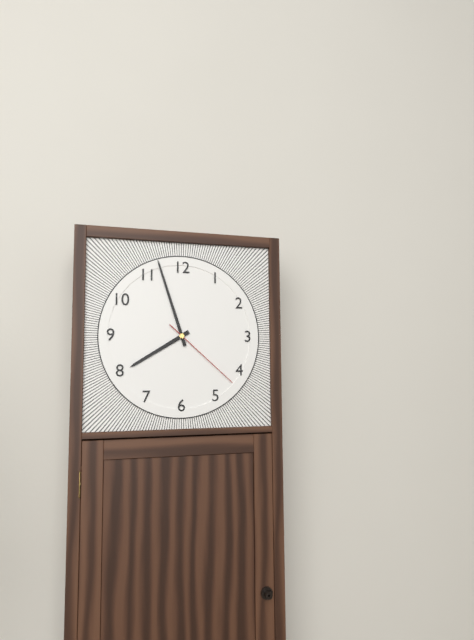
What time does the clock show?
7:57:22
